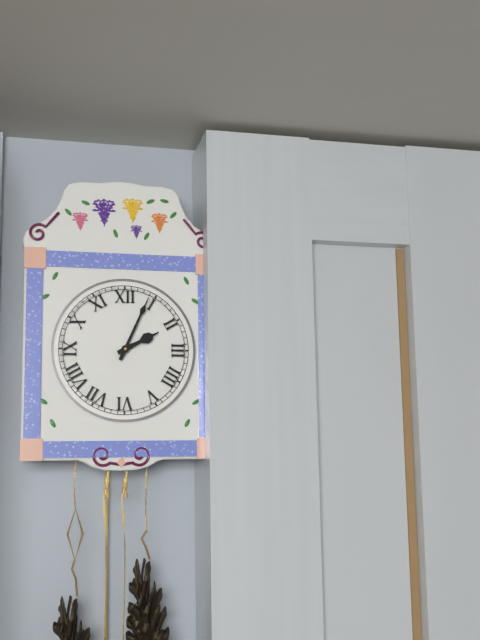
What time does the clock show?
2:04
